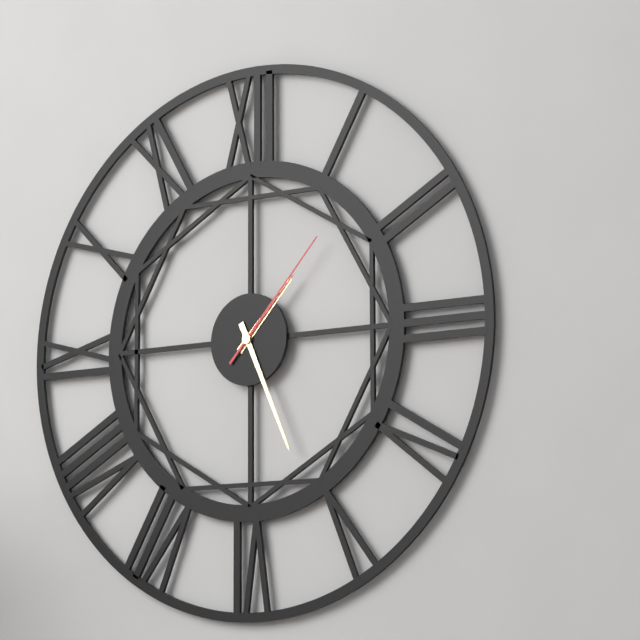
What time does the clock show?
1:26:07
